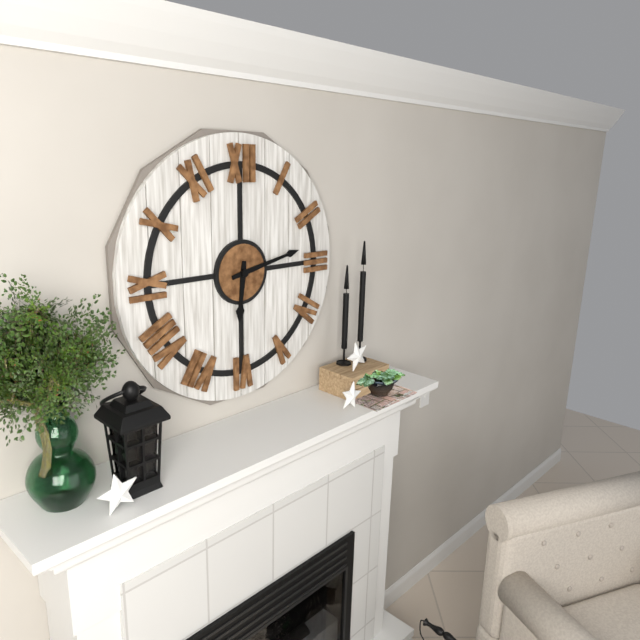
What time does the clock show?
6:13
